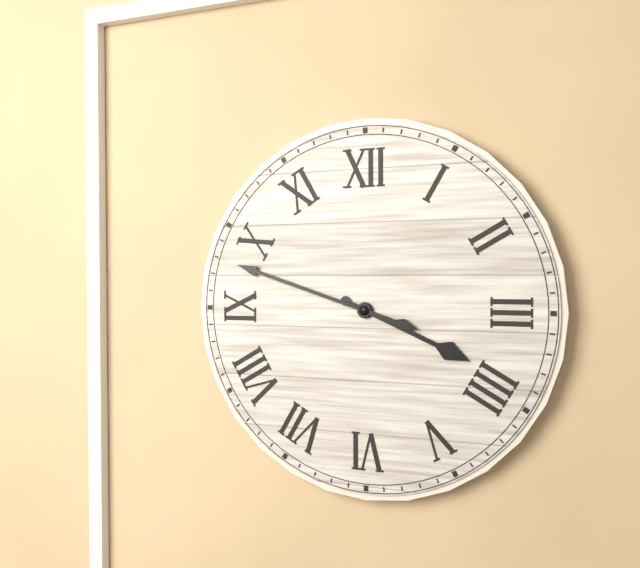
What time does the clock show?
3:48
